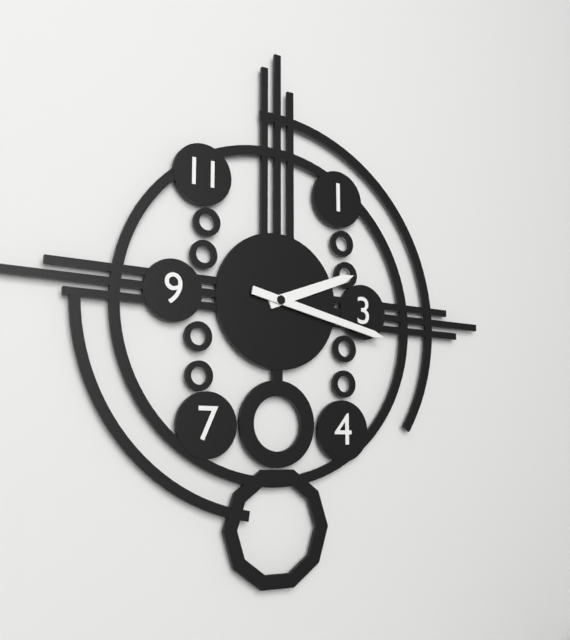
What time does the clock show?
2:17
